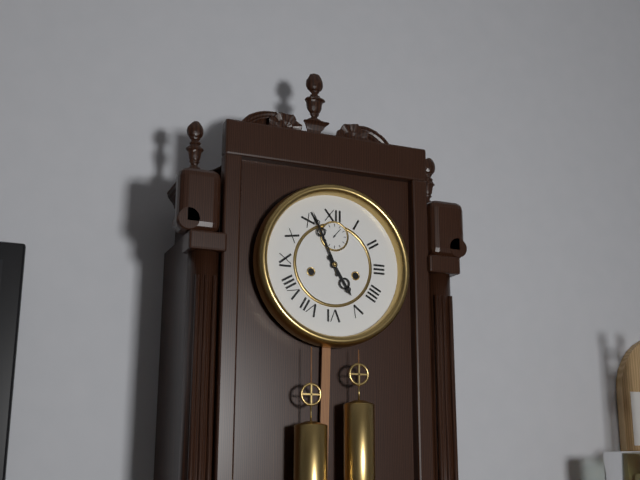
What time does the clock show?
4:56
